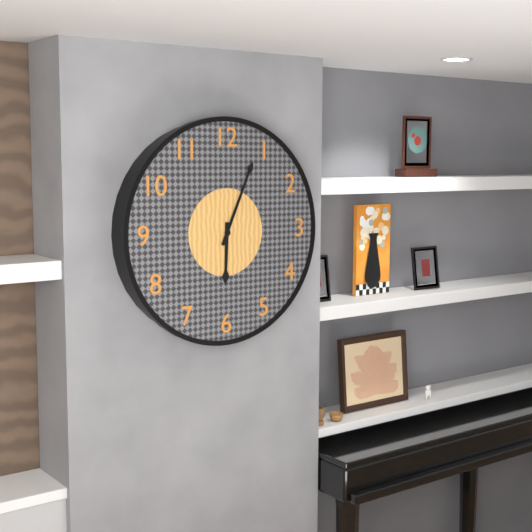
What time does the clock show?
6:04
